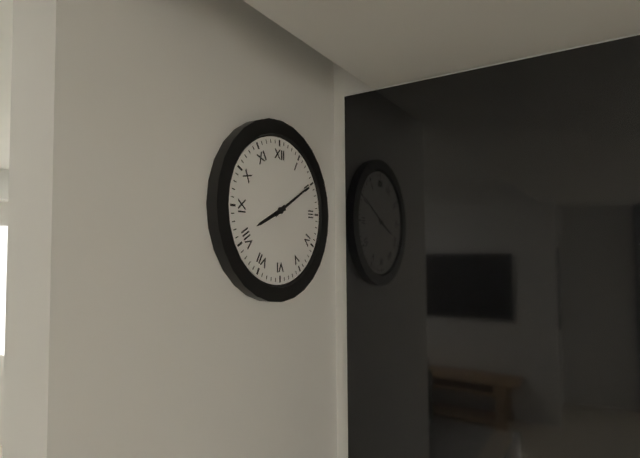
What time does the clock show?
8:10
